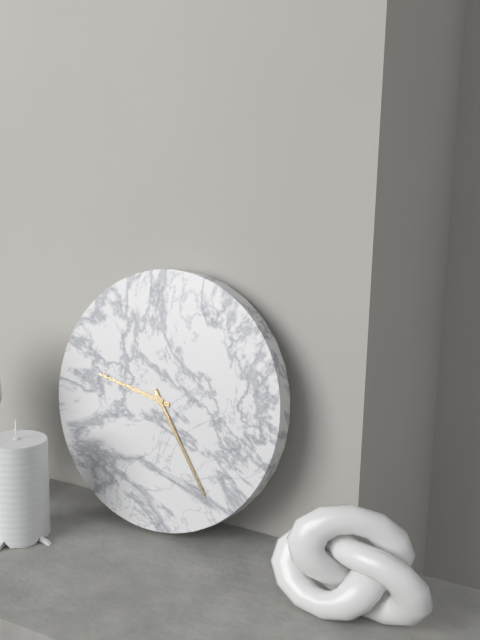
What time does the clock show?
9:24
